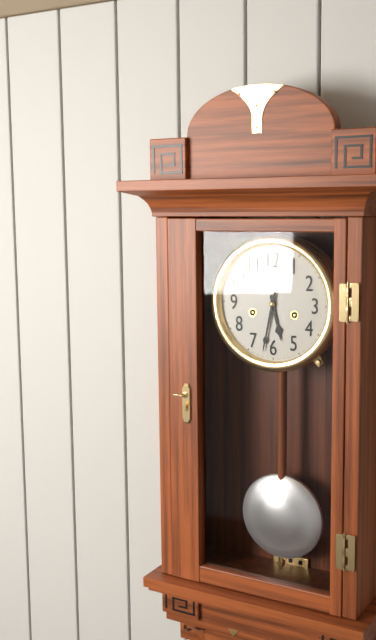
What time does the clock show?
5:32
